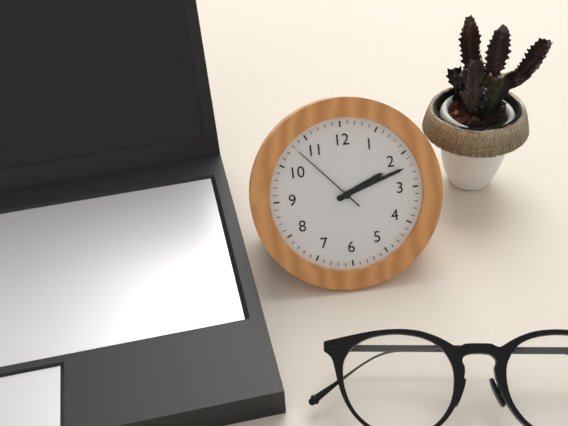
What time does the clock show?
2:12:53
